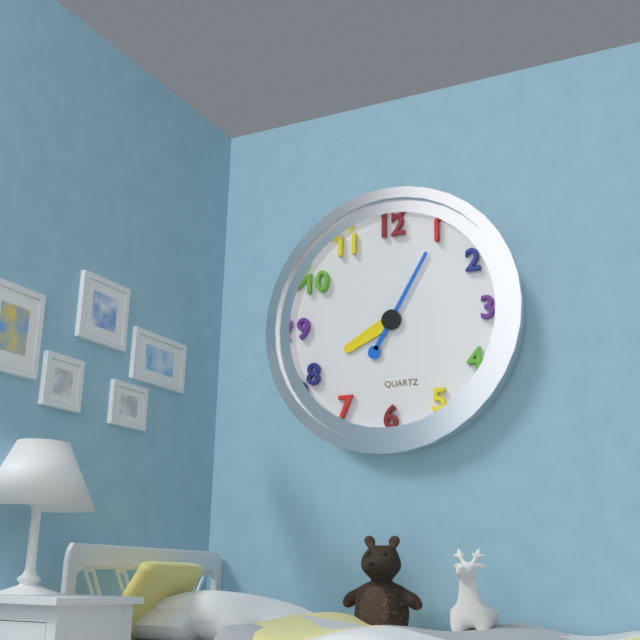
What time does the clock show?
8:05
